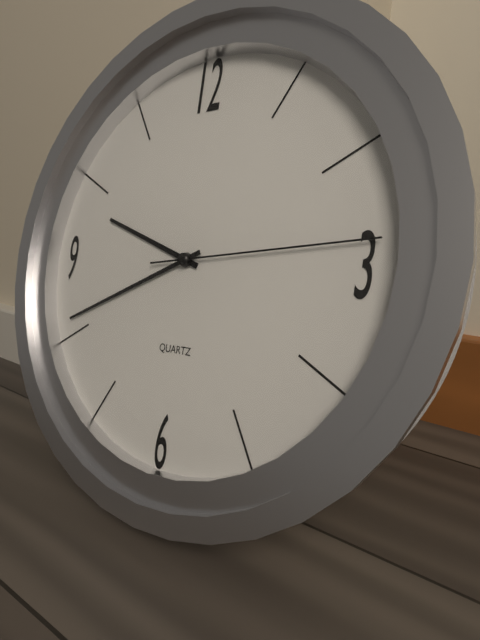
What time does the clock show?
9:41:14
